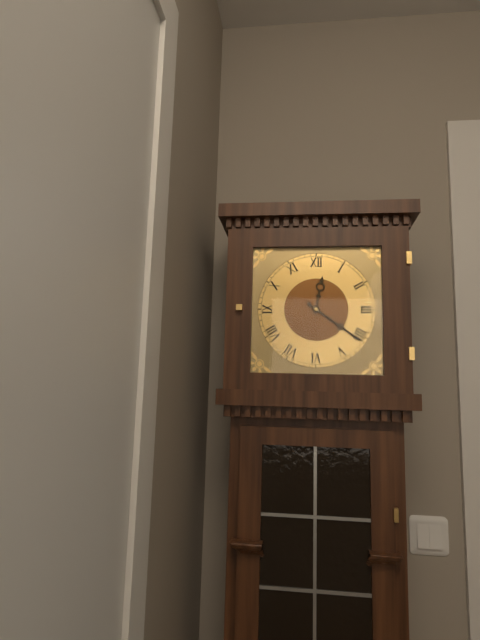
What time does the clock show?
12:21
